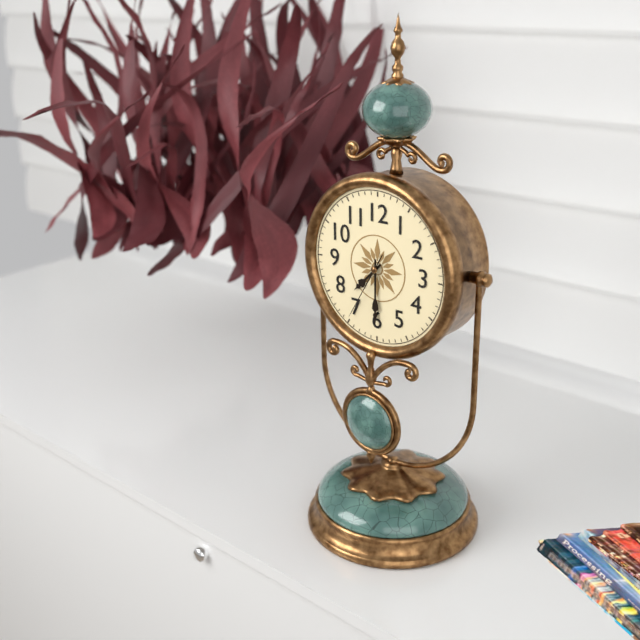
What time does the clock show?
7:30:35
